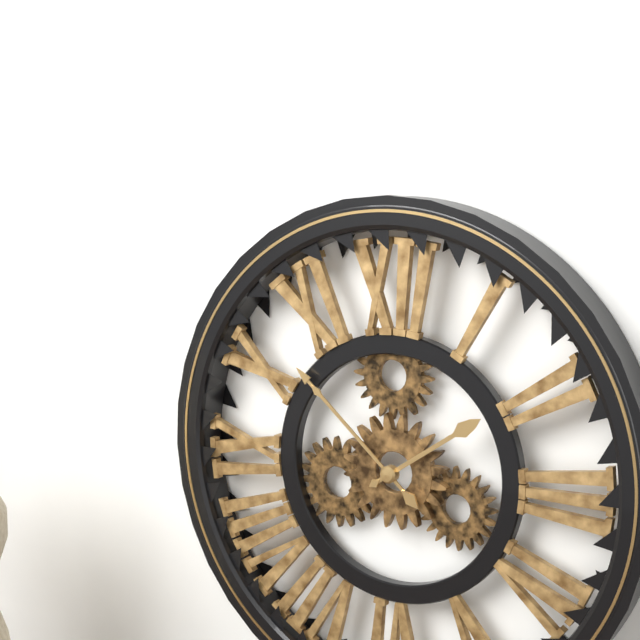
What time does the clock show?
1:52
